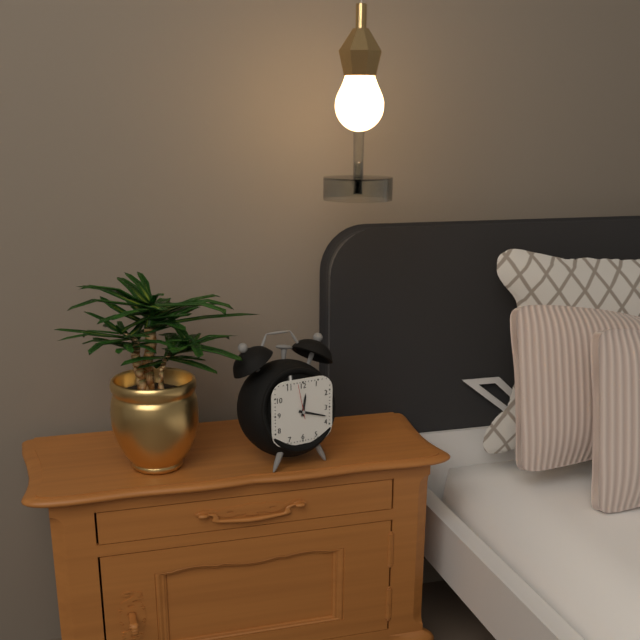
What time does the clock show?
12:18
